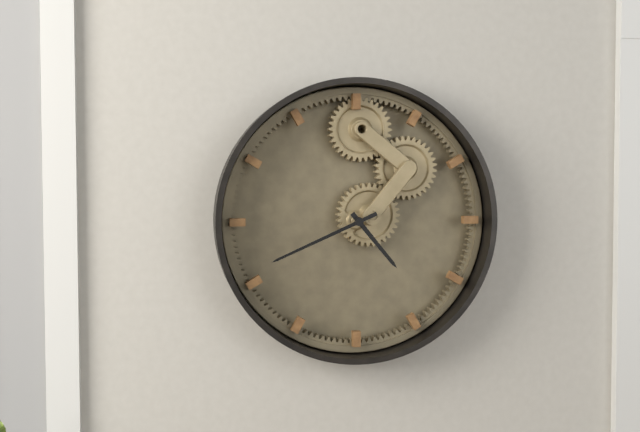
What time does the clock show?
4:41
